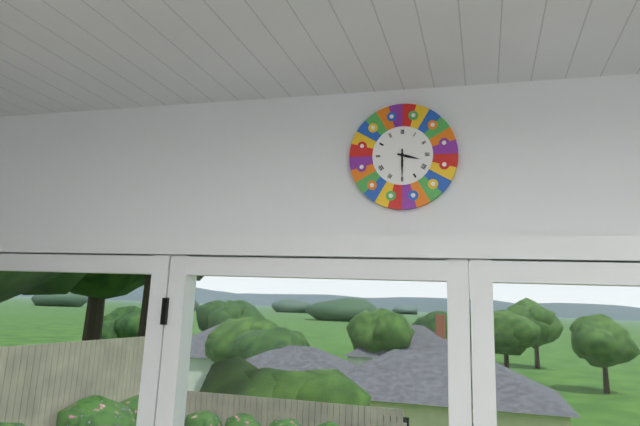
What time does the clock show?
3:30
